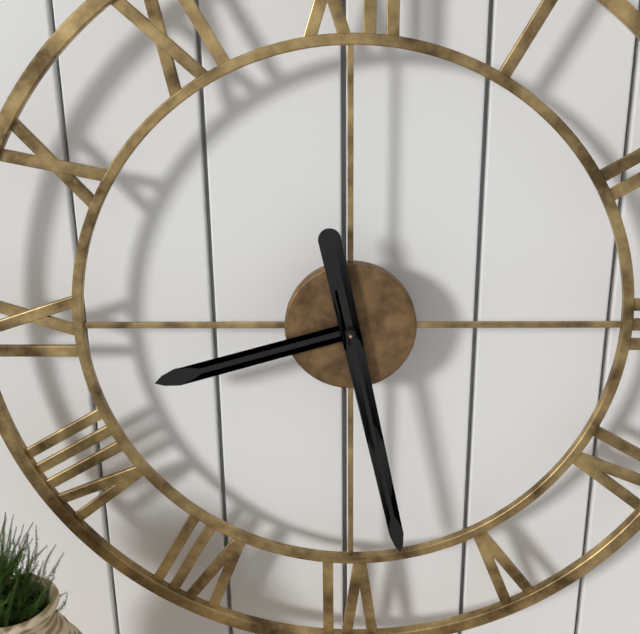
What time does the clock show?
8:28
